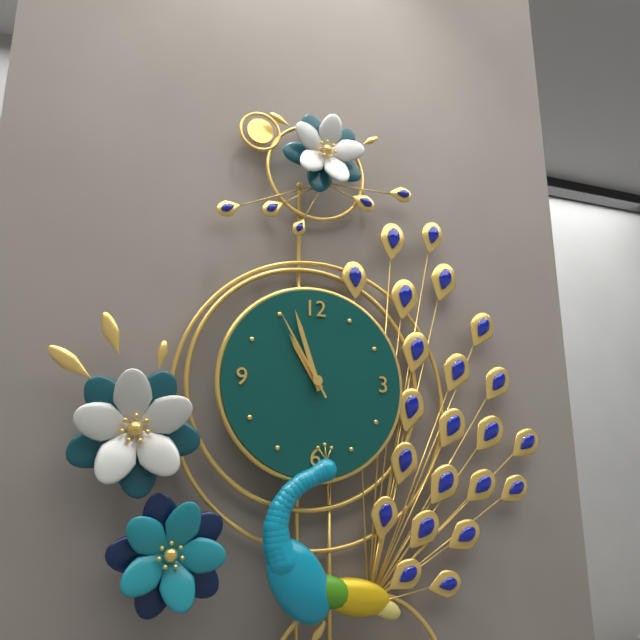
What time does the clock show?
10:57:55
